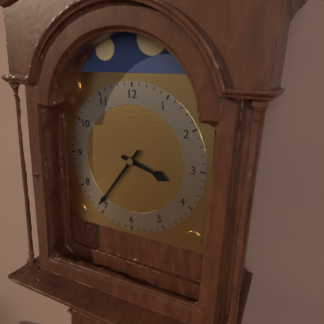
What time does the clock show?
3:36
